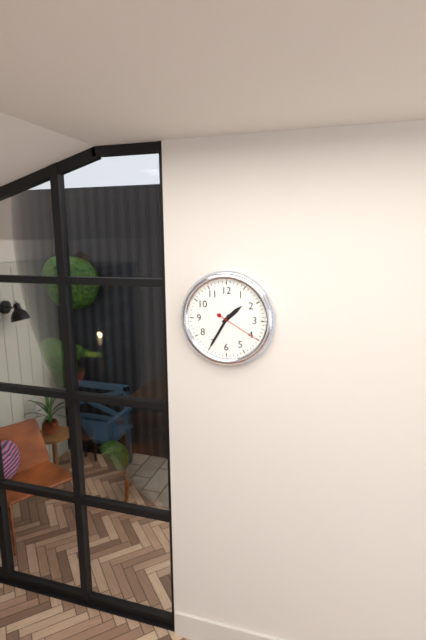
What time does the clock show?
1:35
